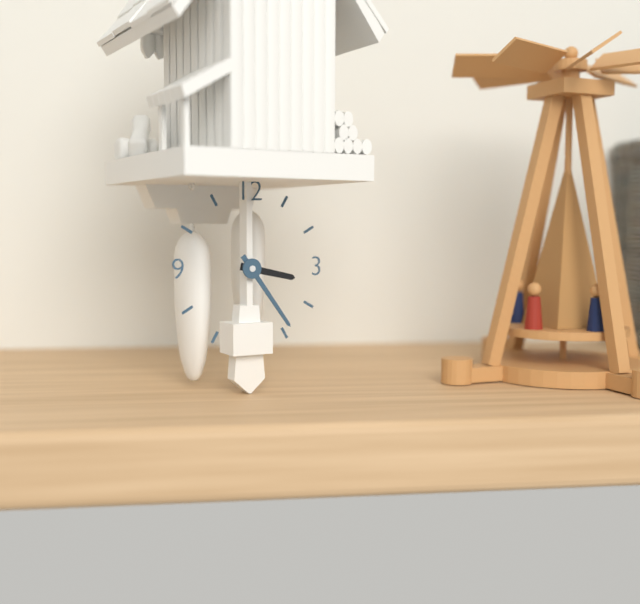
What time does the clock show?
3:24
